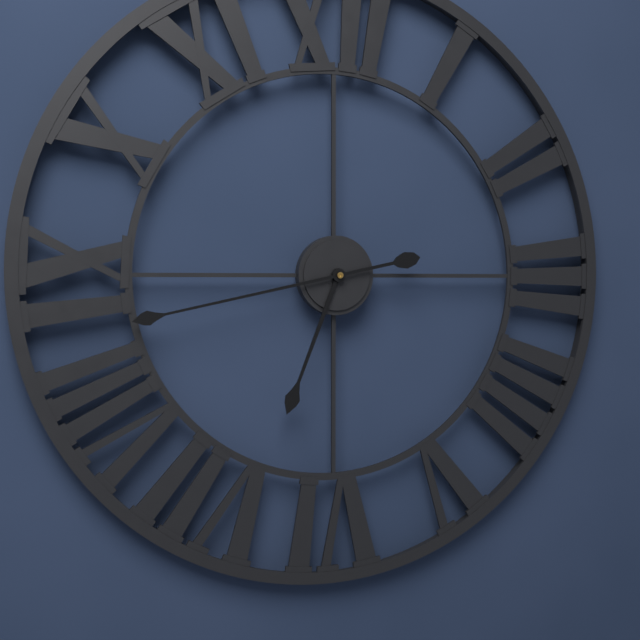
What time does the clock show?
6:43
